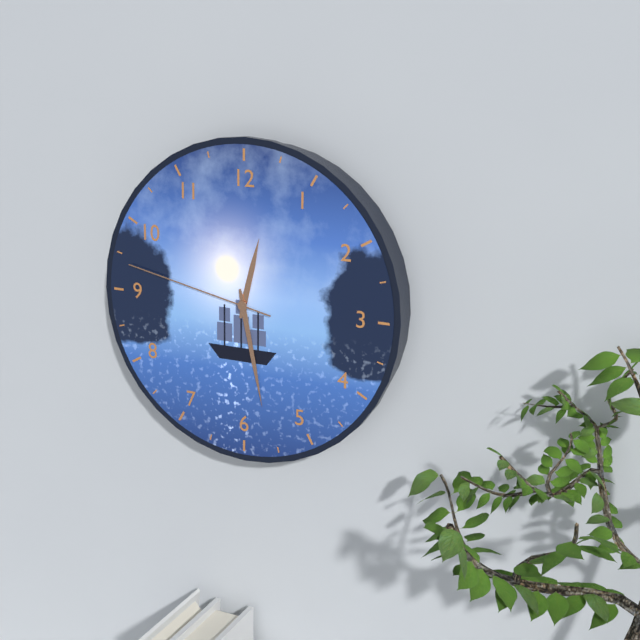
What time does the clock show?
12:28:47
